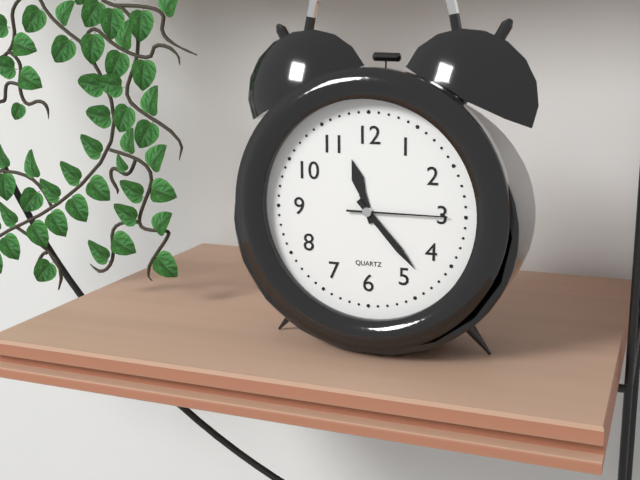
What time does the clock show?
11:23:15
